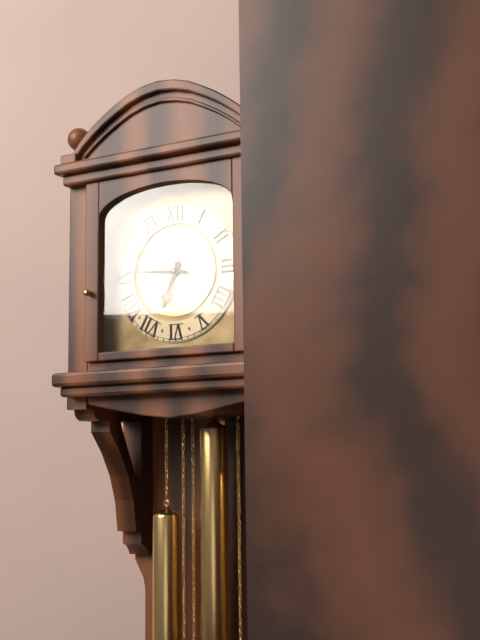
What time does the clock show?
6:46
